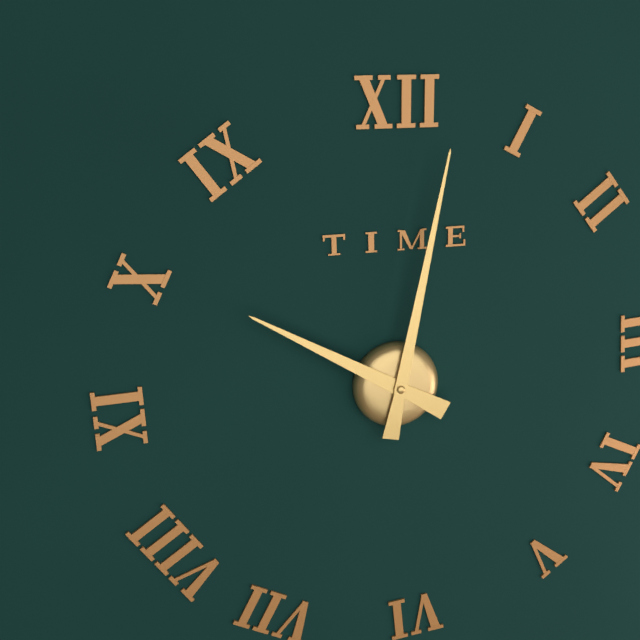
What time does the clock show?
10:02
